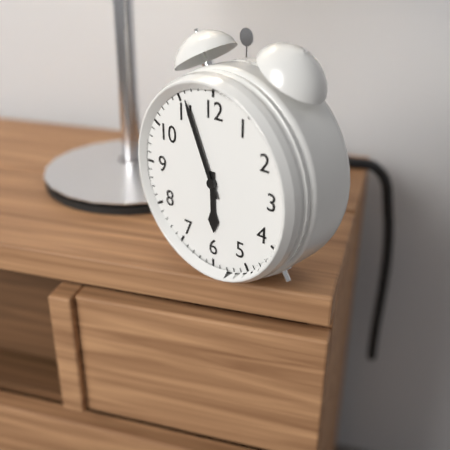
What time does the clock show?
5:56
